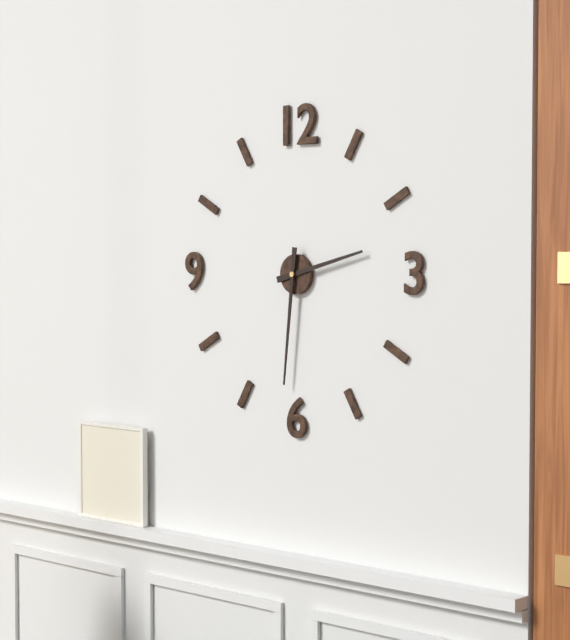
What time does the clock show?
2:31
